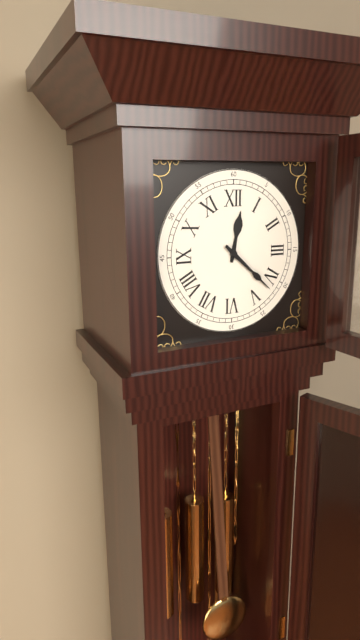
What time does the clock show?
12:22
